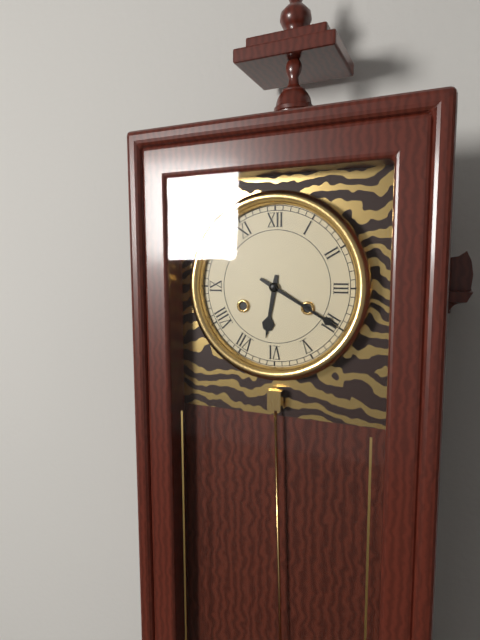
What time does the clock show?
6:20
